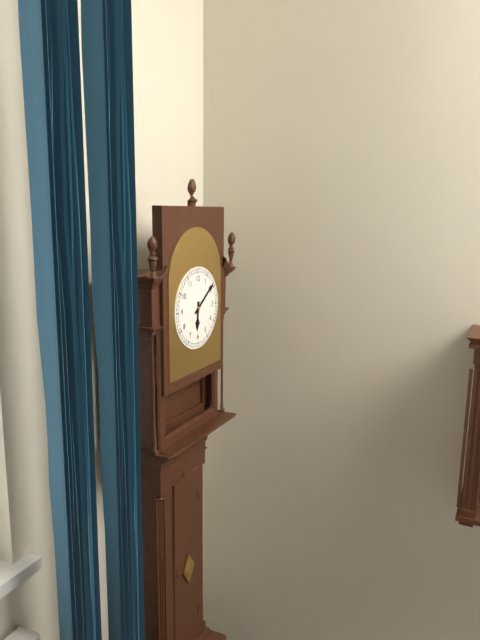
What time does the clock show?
6:09
